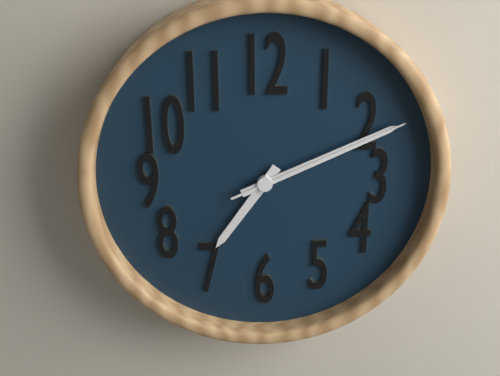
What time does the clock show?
7:11:11
